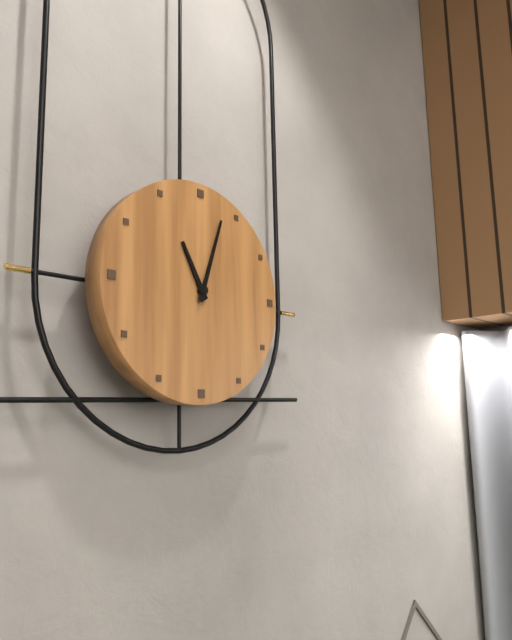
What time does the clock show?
11:03
